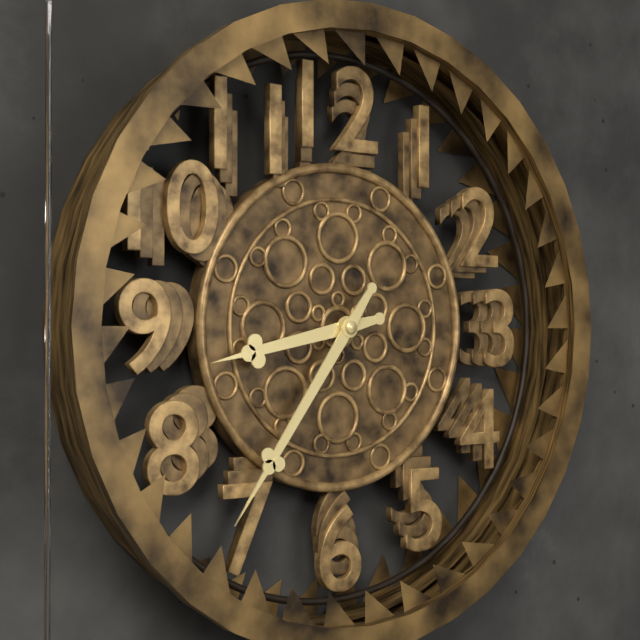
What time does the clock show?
8:36
